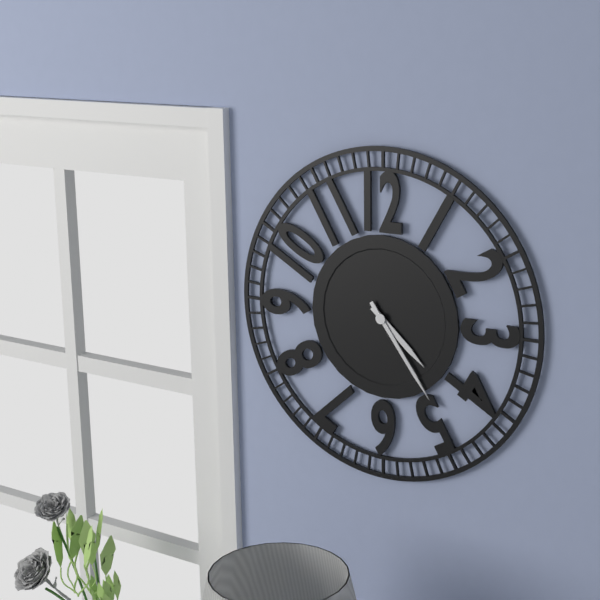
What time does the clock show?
4:24
